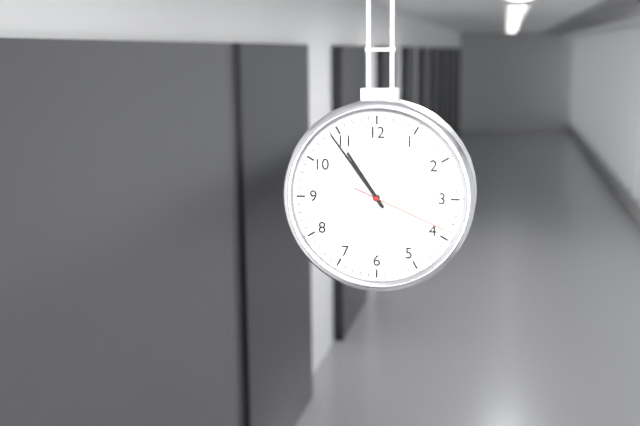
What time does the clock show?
10:54:19
